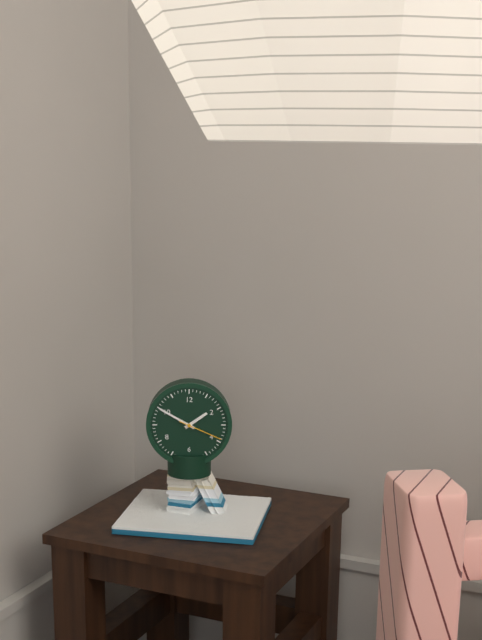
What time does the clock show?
1:50
